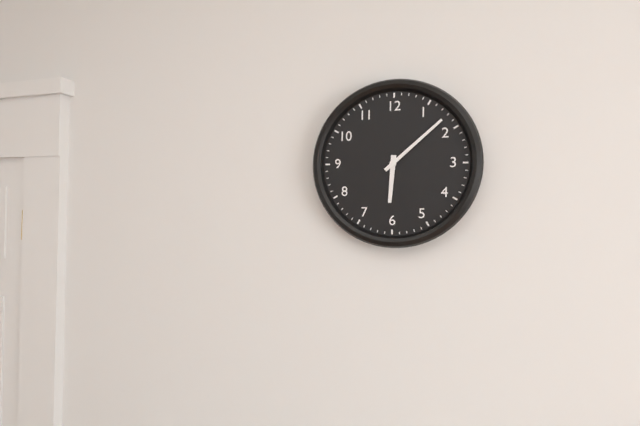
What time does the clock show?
6:08
